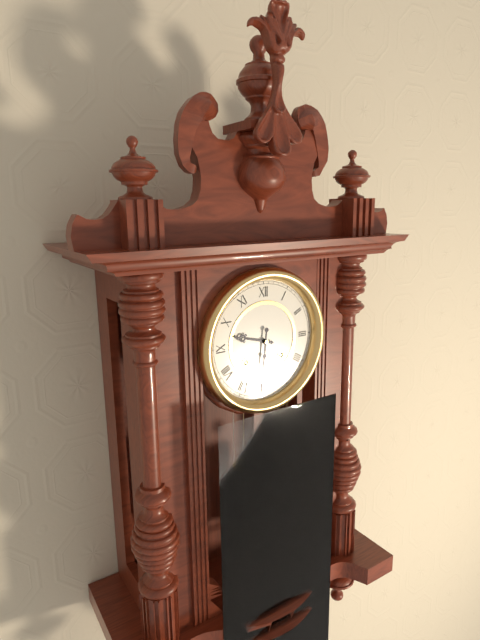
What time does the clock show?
9:31
